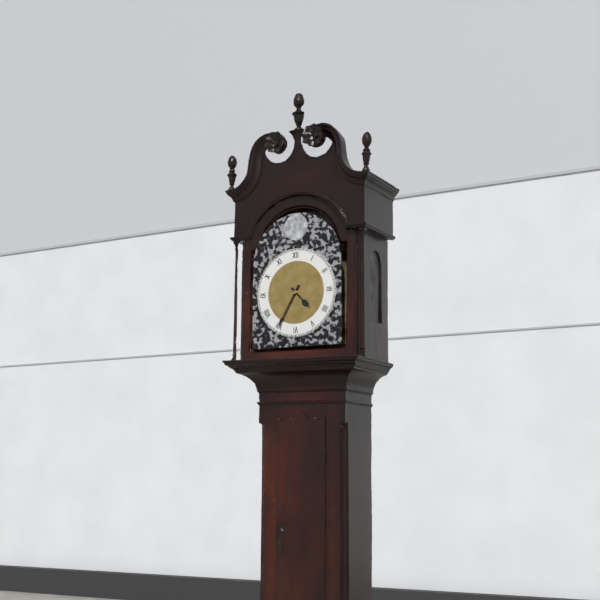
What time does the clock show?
4:35
